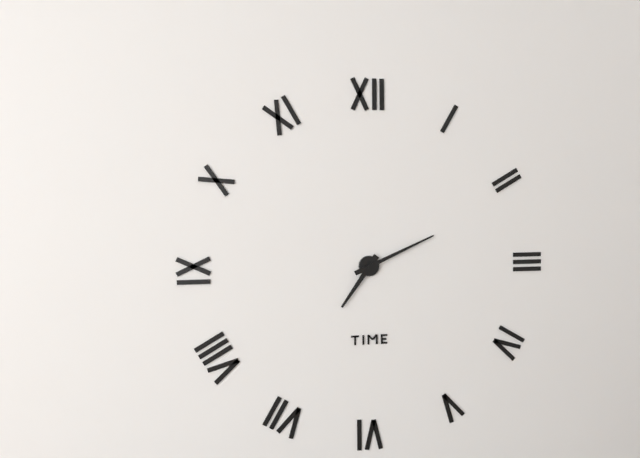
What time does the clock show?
7:11
